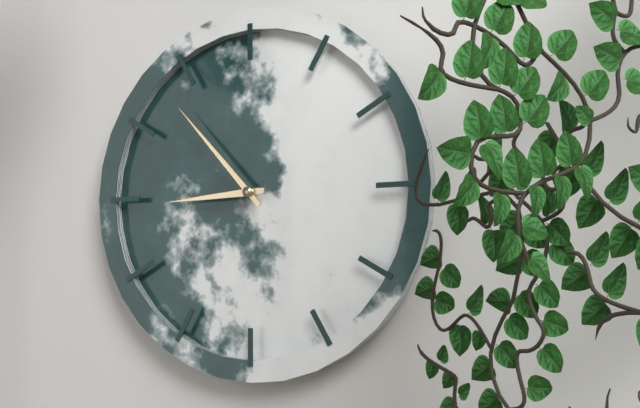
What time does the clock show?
8:53
